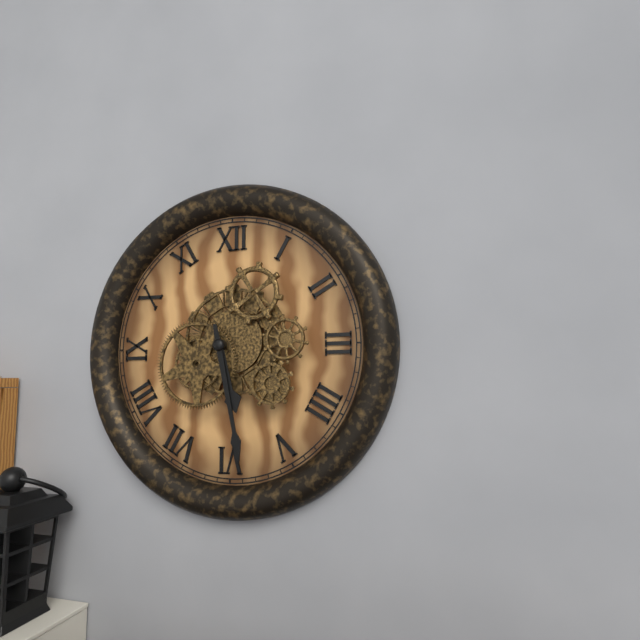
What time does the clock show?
5:28
